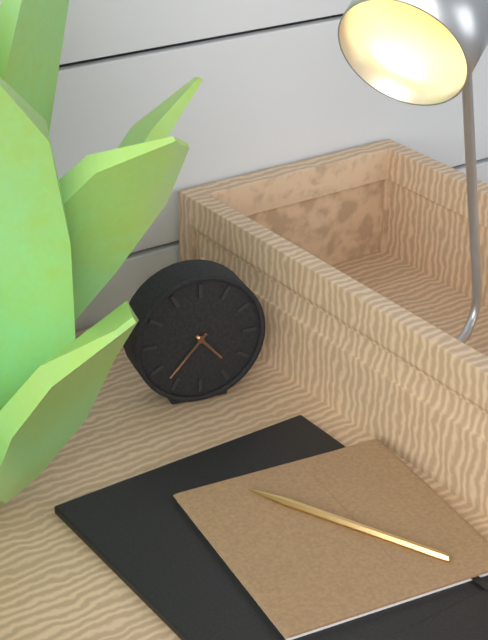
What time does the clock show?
4:37
